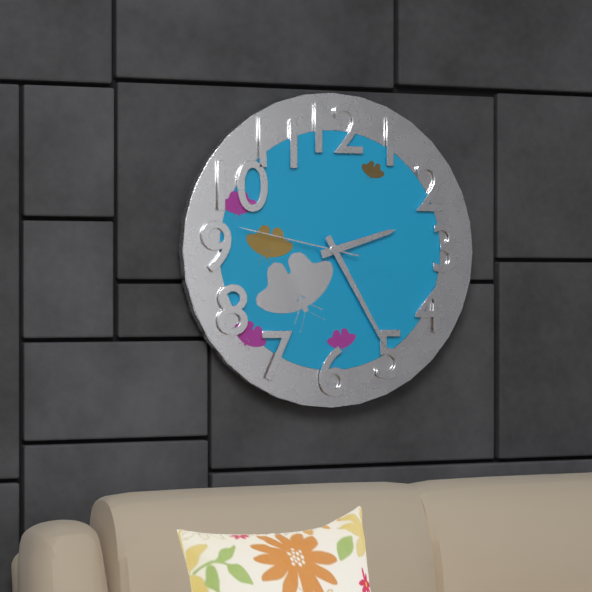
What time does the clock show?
2:25:47
